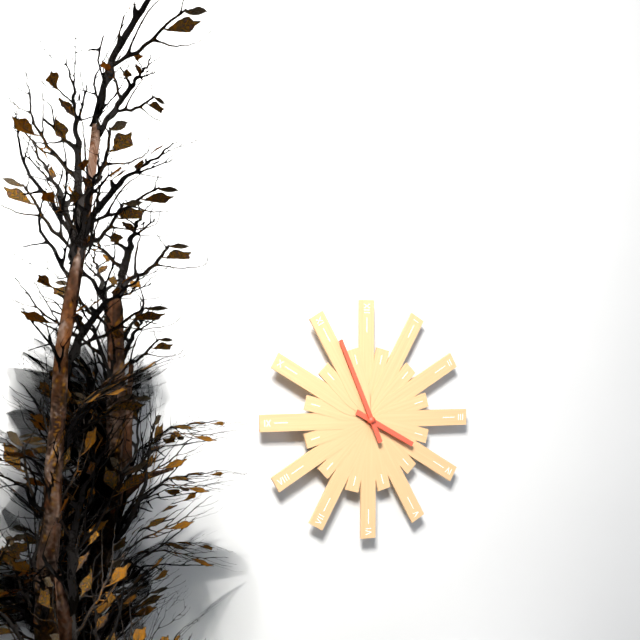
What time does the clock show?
3:56
